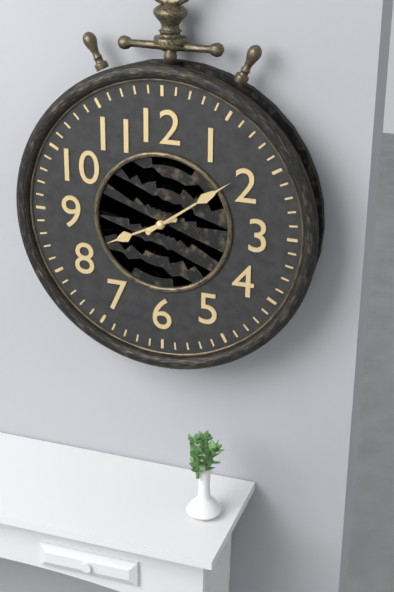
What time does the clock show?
8:09
